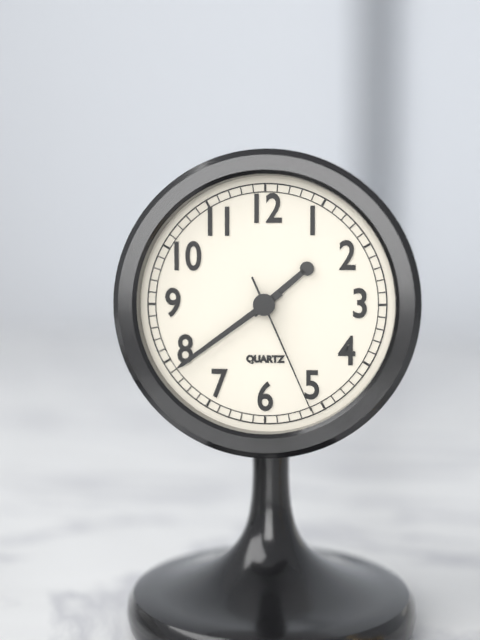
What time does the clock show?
1:39:26
